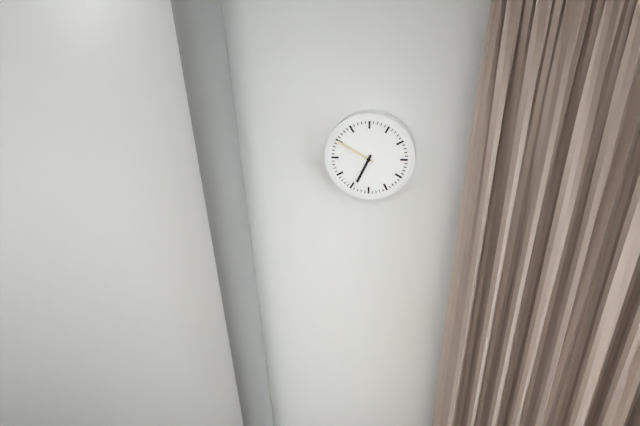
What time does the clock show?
6:50
